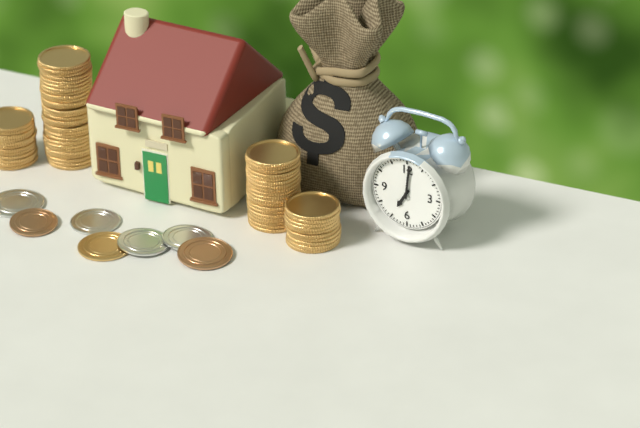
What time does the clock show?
7:01
